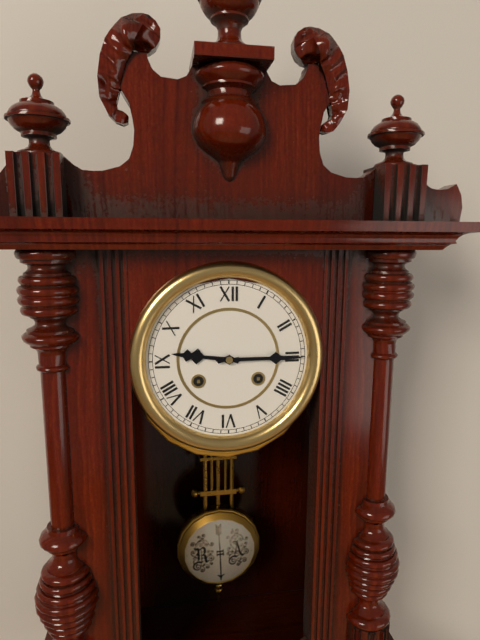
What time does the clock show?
9:15
